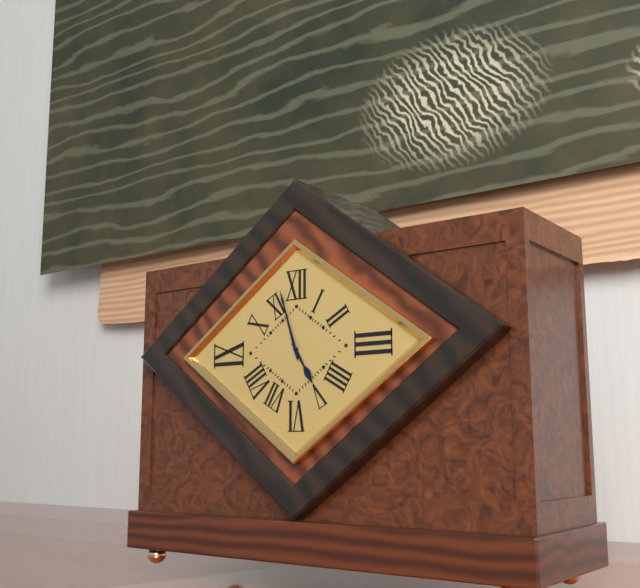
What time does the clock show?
4:57
